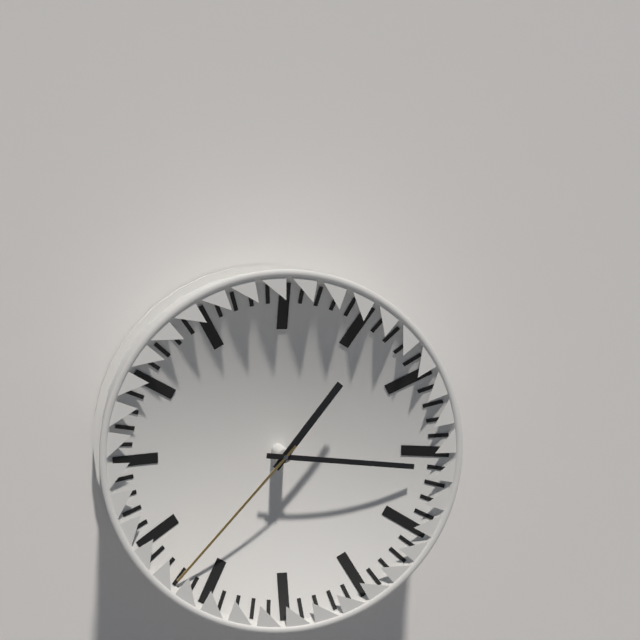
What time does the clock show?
1:16:37
